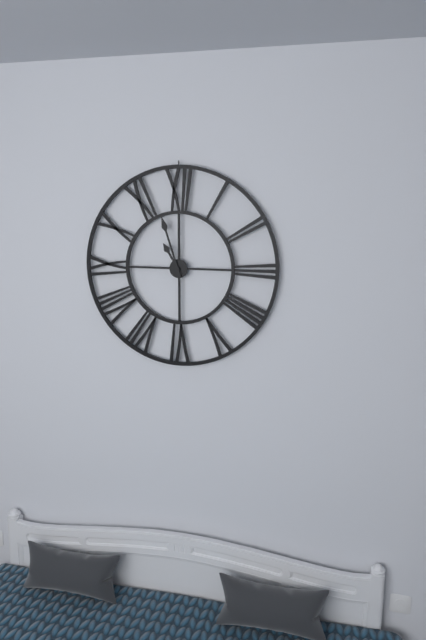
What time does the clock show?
10:57
